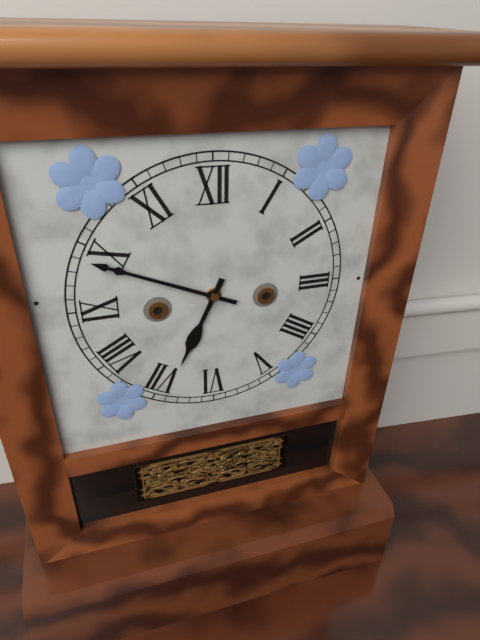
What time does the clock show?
6:49
